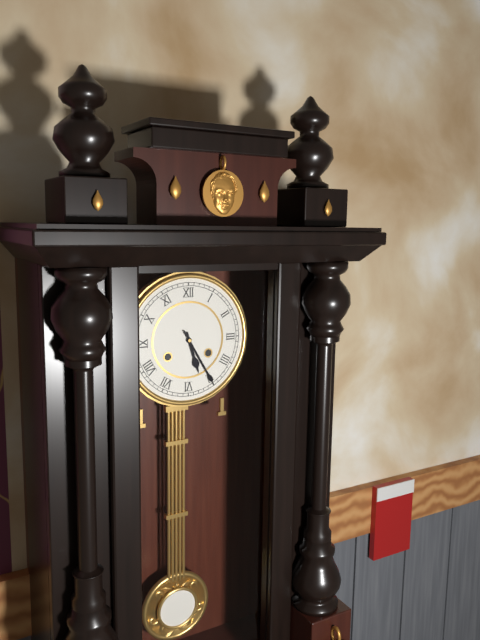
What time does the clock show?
5:25
